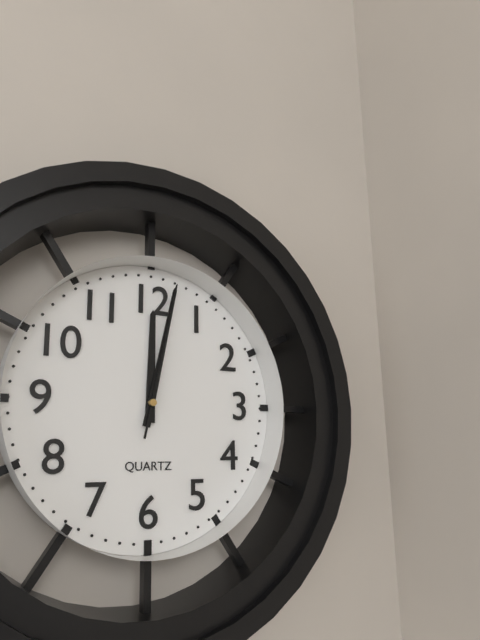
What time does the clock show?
12:02:02
